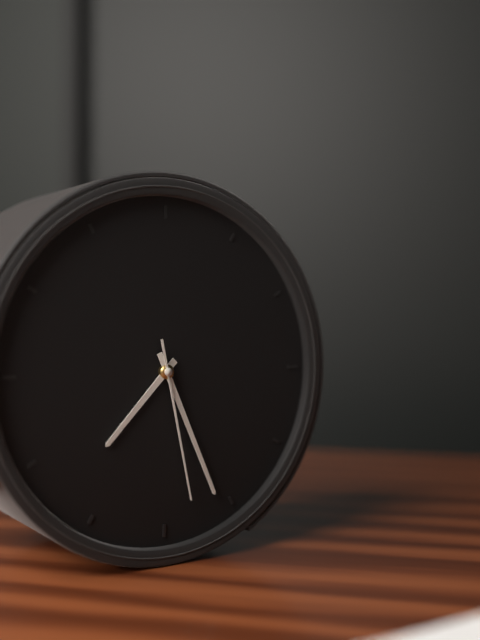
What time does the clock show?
7:26:28
